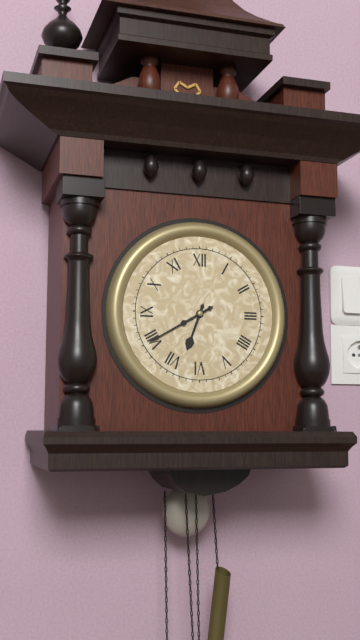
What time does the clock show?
6:40
